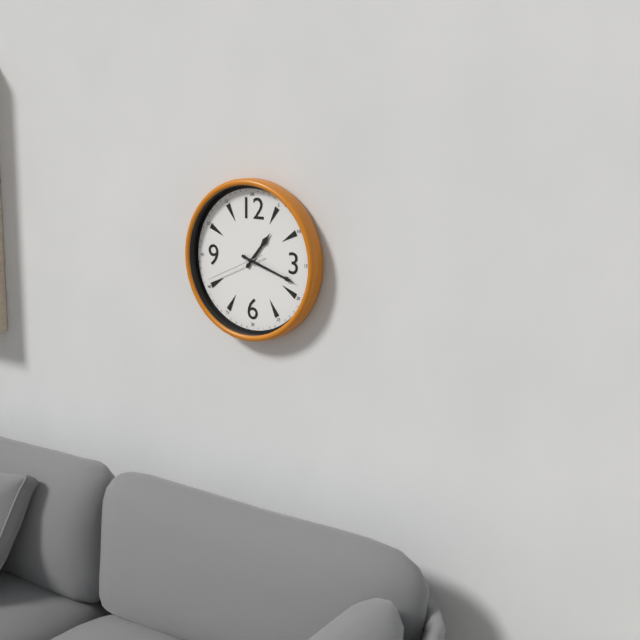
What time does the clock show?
1:18:41
